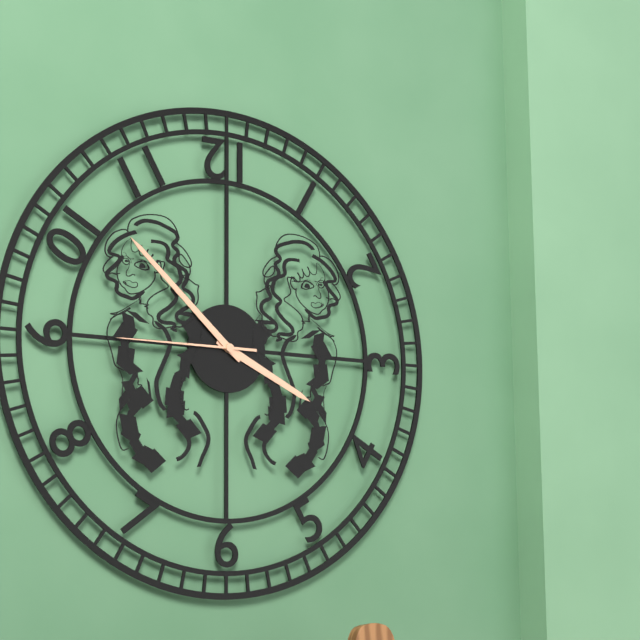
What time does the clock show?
3:52:45
